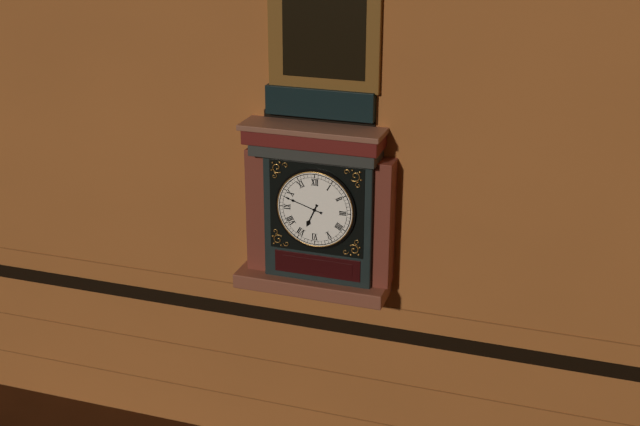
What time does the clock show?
6:48
